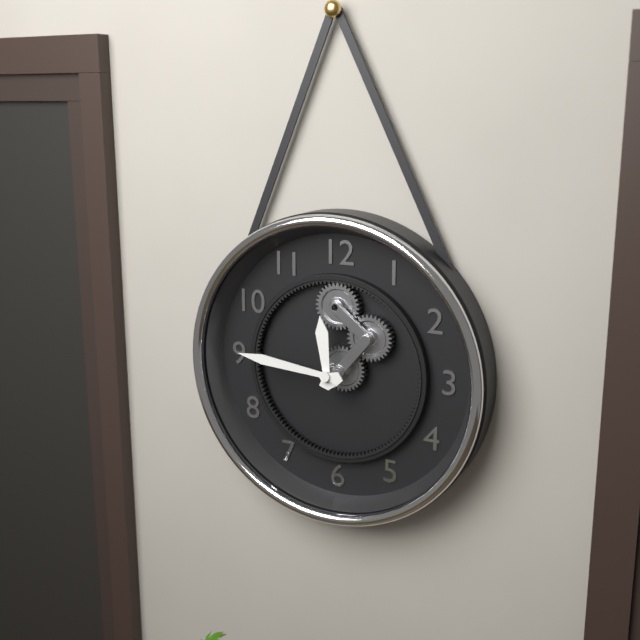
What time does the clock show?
11:46
